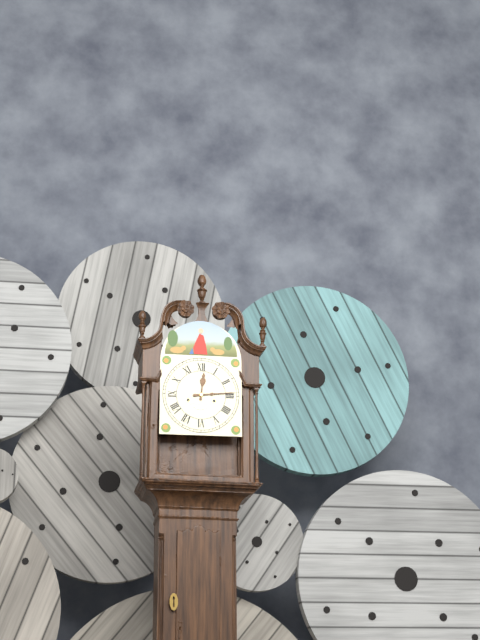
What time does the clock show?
12:14
